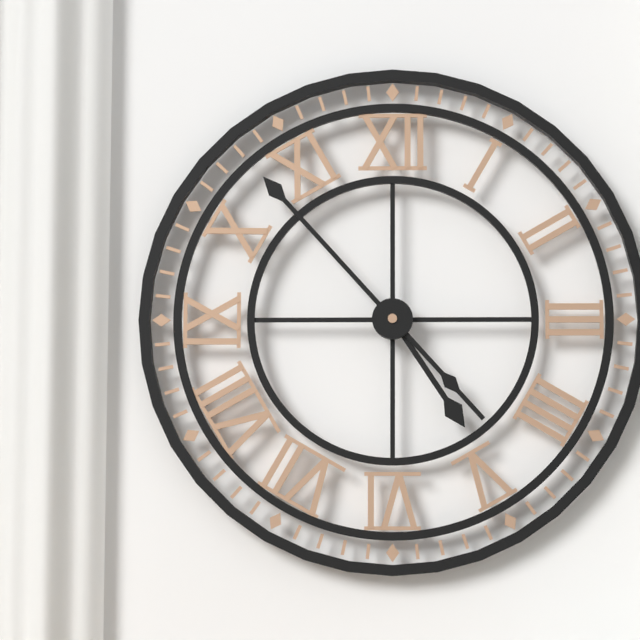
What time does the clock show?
4:53
